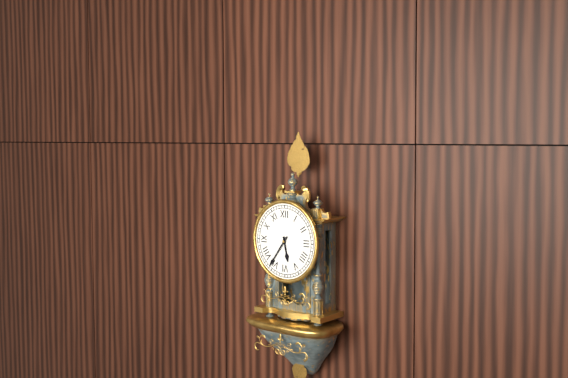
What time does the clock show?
5:36
